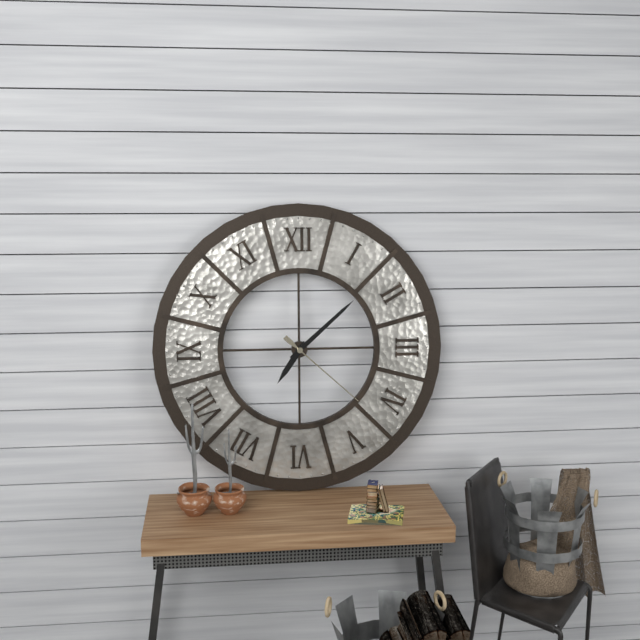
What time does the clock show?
7:08:22
